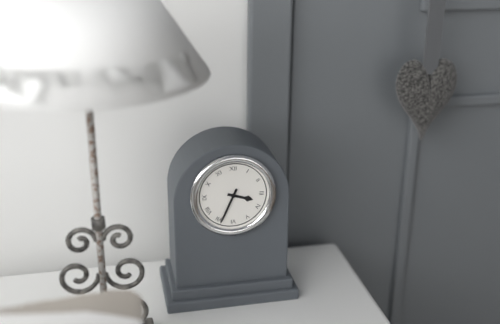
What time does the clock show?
3:34
